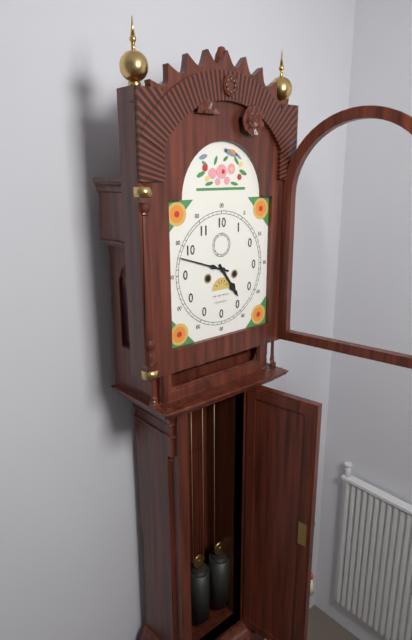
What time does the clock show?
4:48
